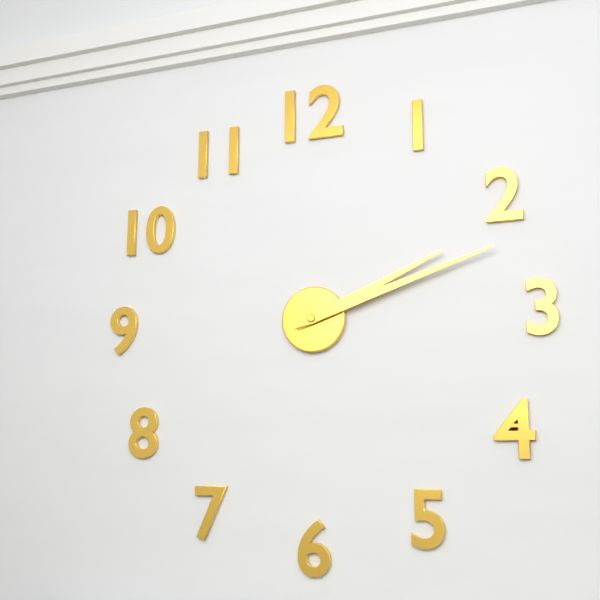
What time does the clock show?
2:12
